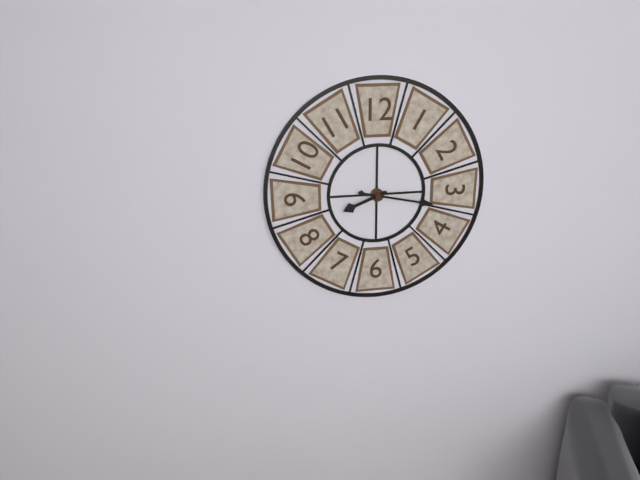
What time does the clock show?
8:17
